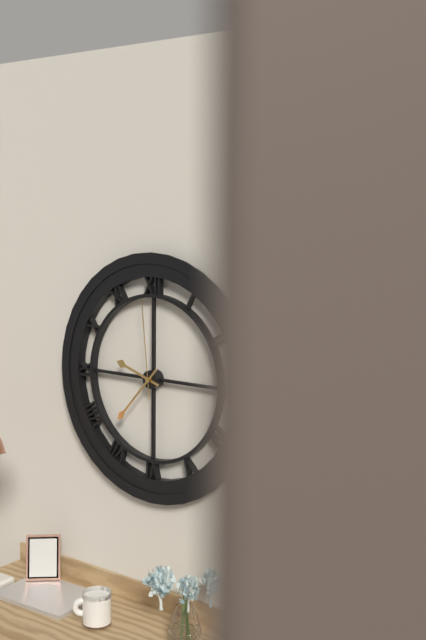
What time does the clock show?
9:37:59
